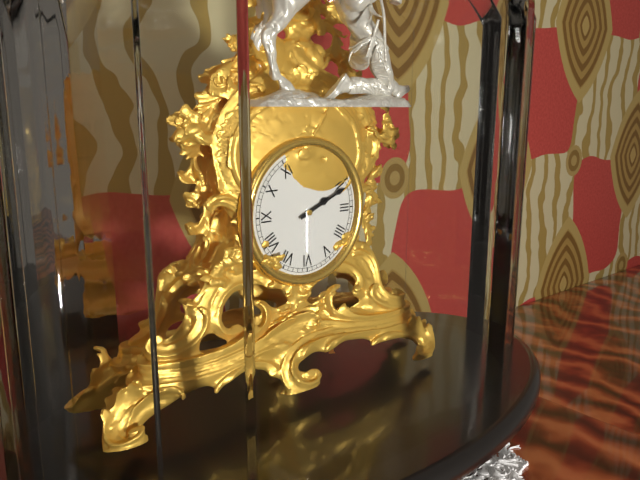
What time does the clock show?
2:11
